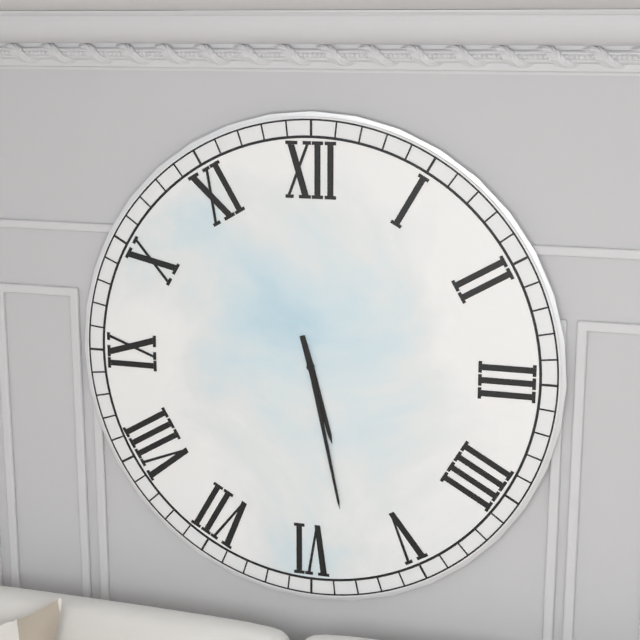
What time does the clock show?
5:28
